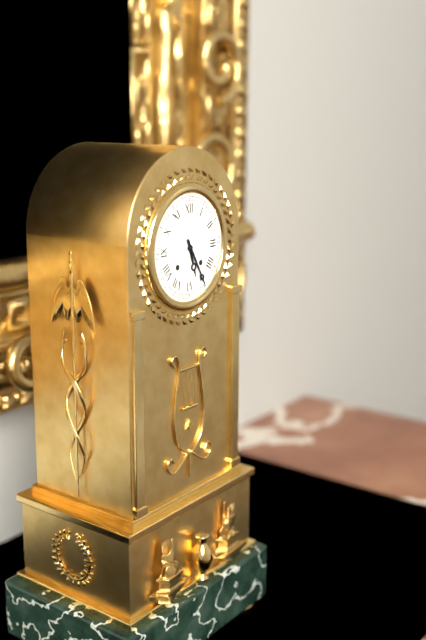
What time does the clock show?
5:25
